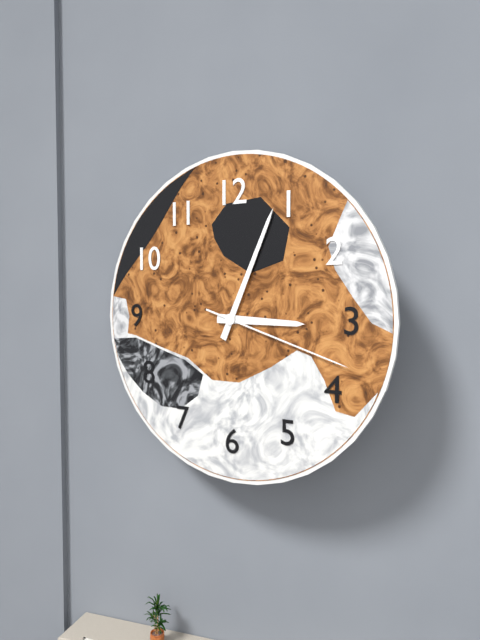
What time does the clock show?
3:04:18
